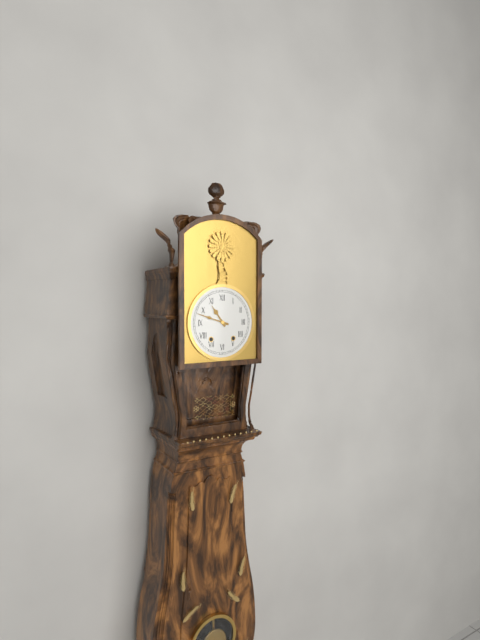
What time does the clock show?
10:48
